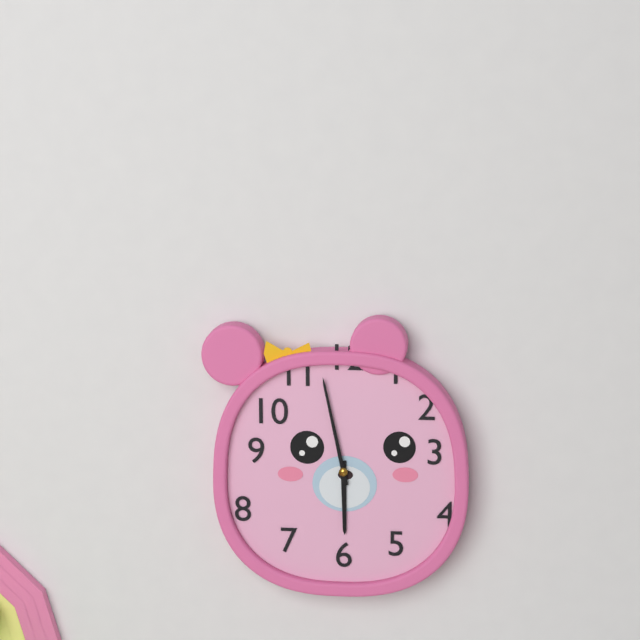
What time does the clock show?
5:58
